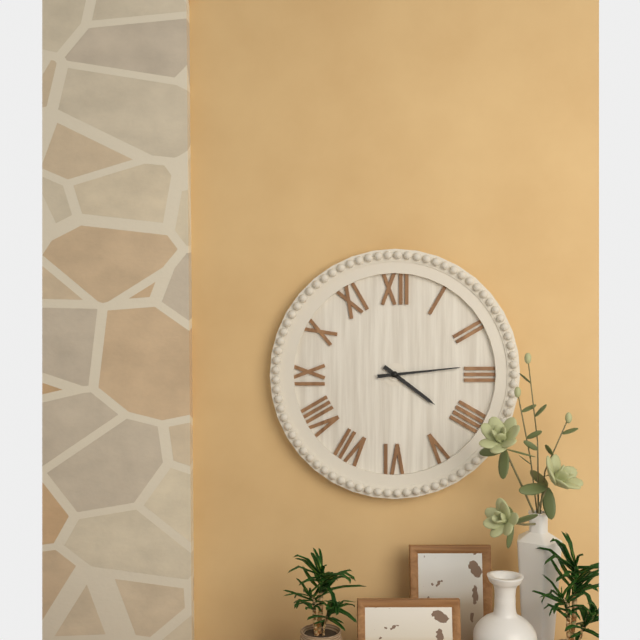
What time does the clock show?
4:14
